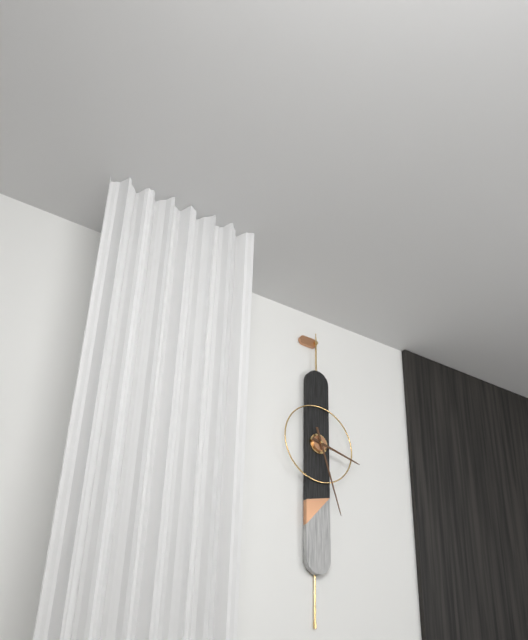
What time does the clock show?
3:27
